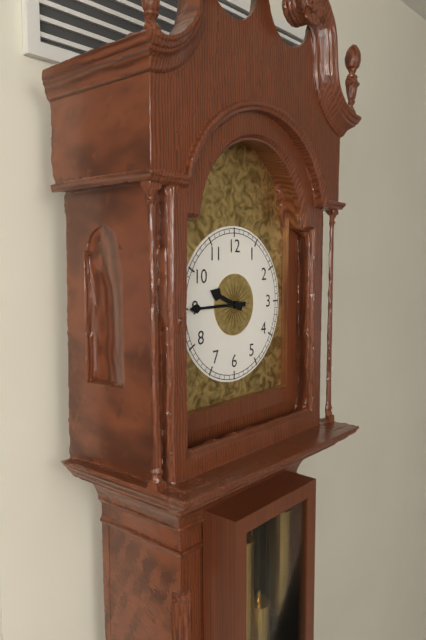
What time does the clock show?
9:45
